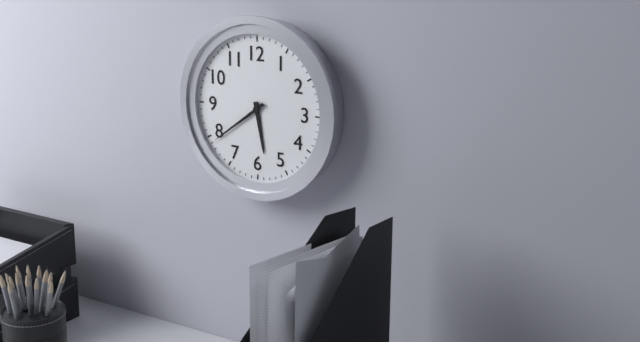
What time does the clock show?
5:39
